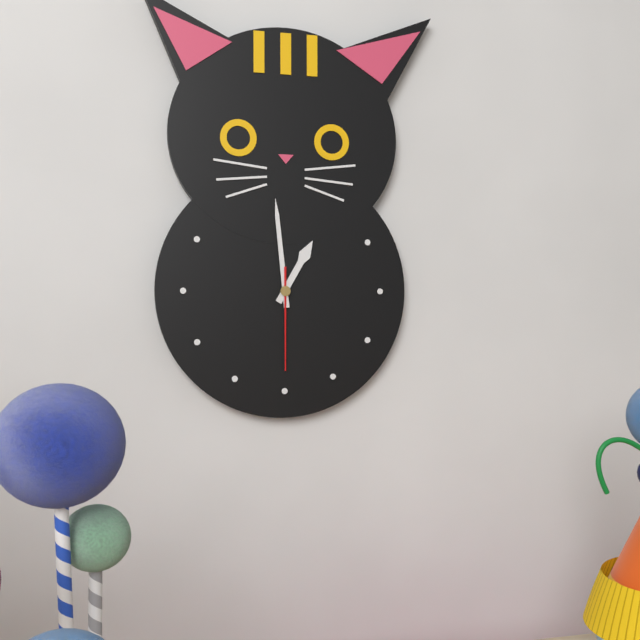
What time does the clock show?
12:59:30
